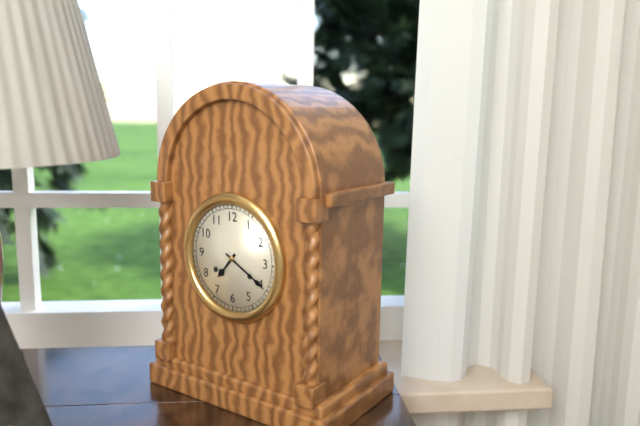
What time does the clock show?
7:20
